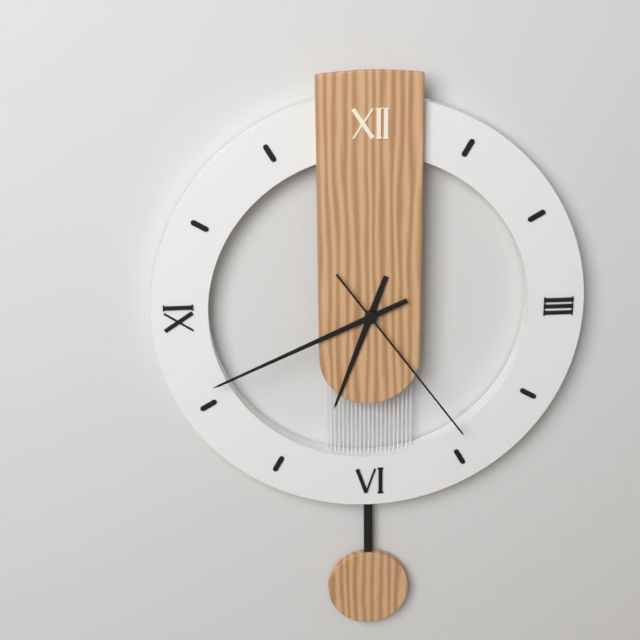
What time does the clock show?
6:41:24
